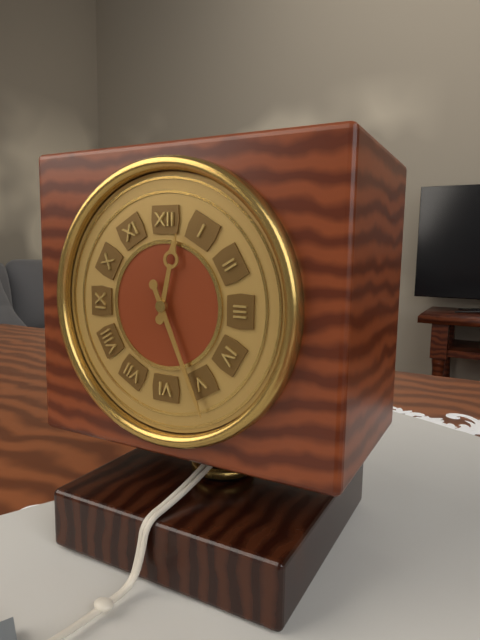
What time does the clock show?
12:26
